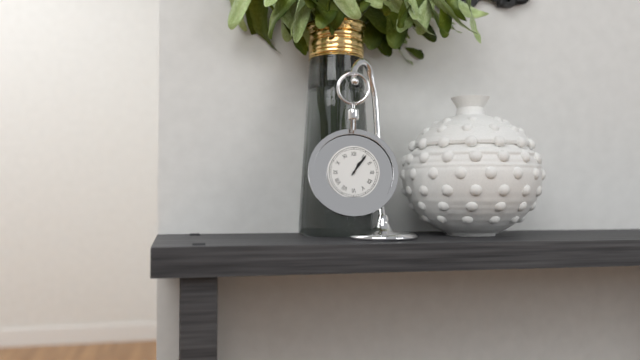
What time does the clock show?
1:06
